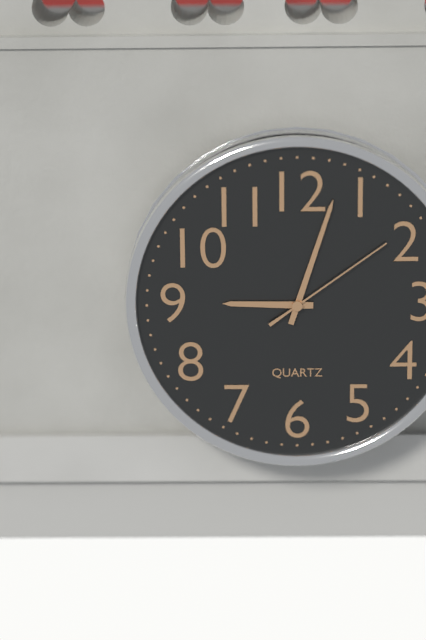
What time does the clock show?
9:03:09
